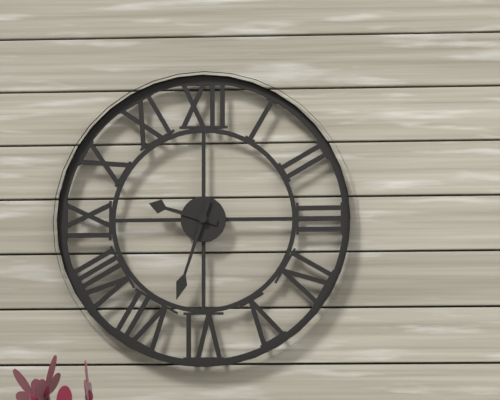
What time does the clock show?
9:33
